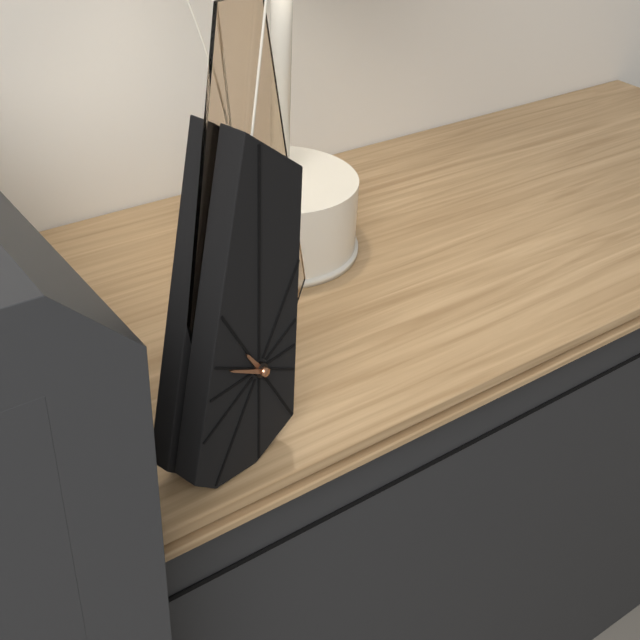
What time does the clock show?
10:50
